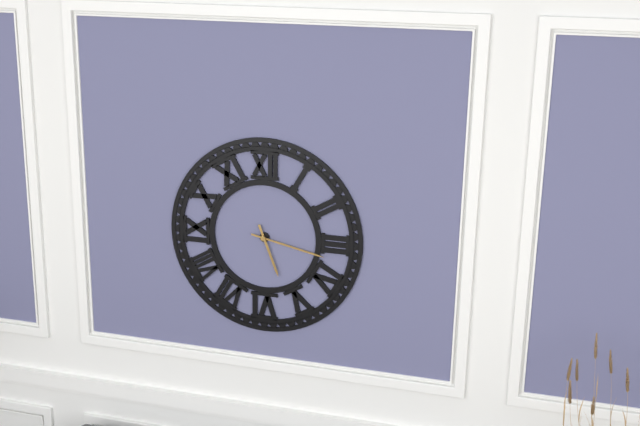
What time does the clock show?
5:17
